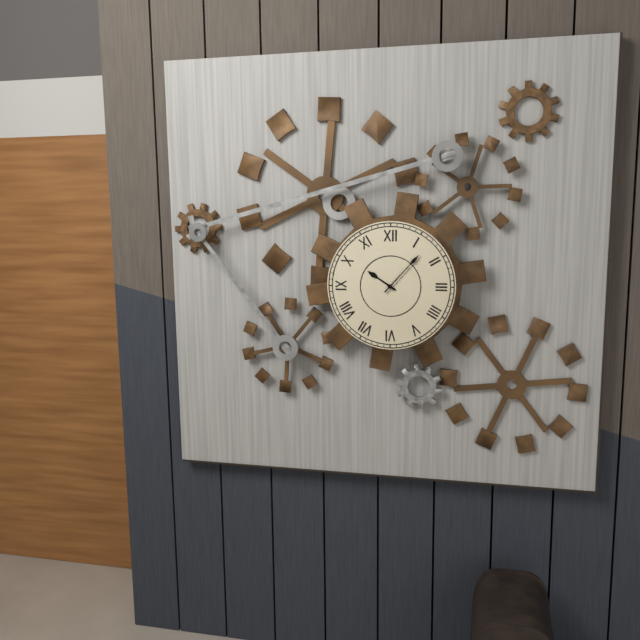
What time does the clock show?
10:07
